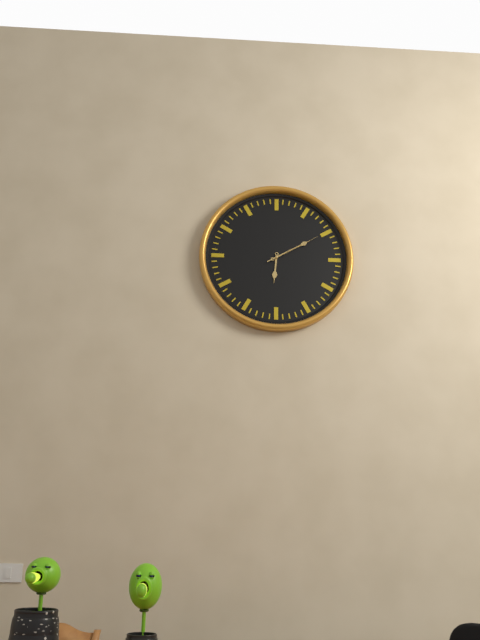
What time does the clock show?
6:10:10
